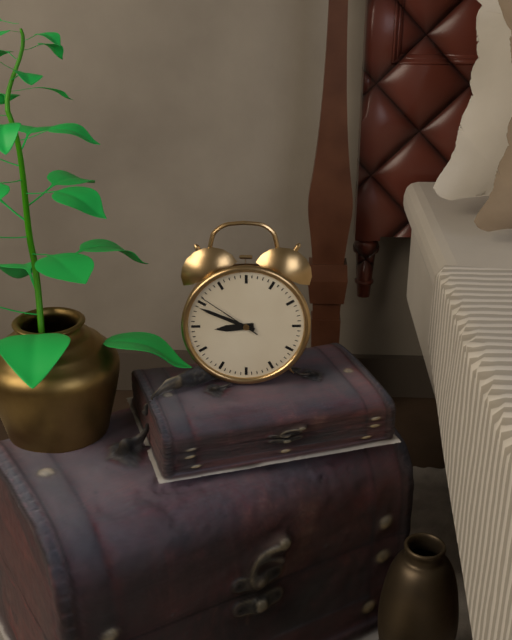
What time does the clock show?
8:49:51
